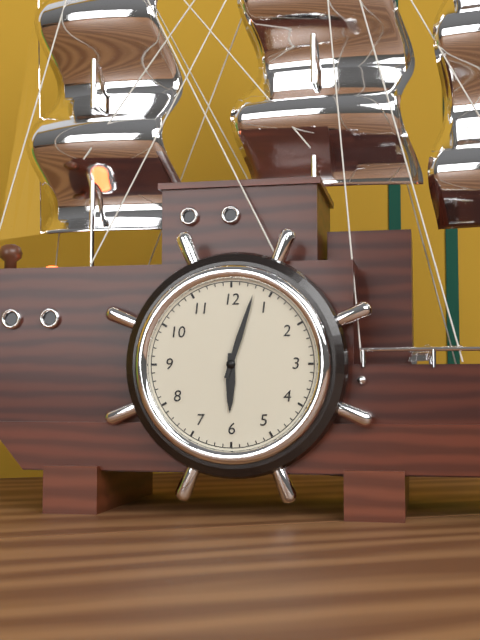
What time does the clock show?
6:03
